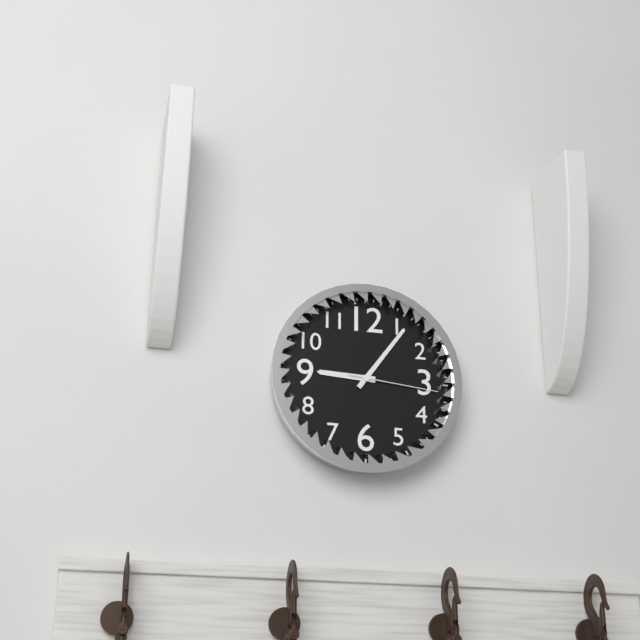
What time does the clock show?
9:06:16
